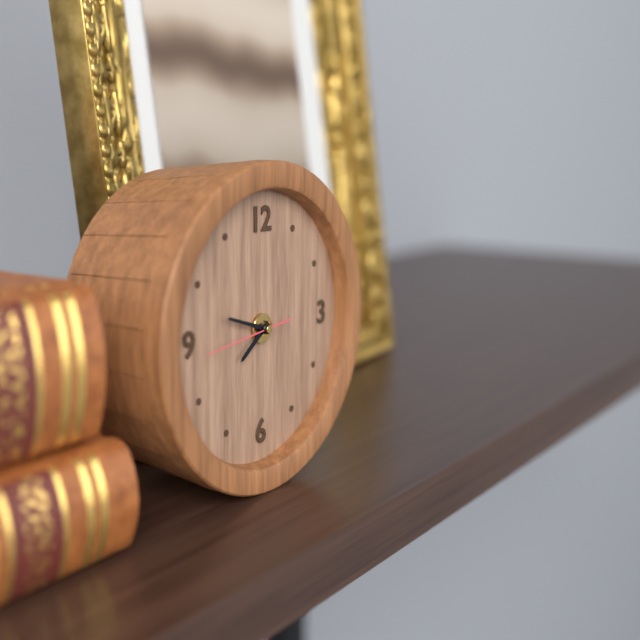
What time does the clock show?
7:48:44
